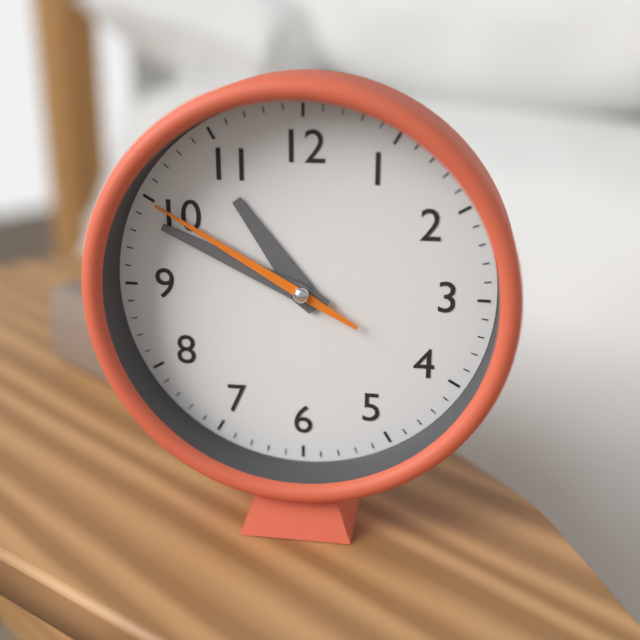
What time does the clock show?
10:49:50
